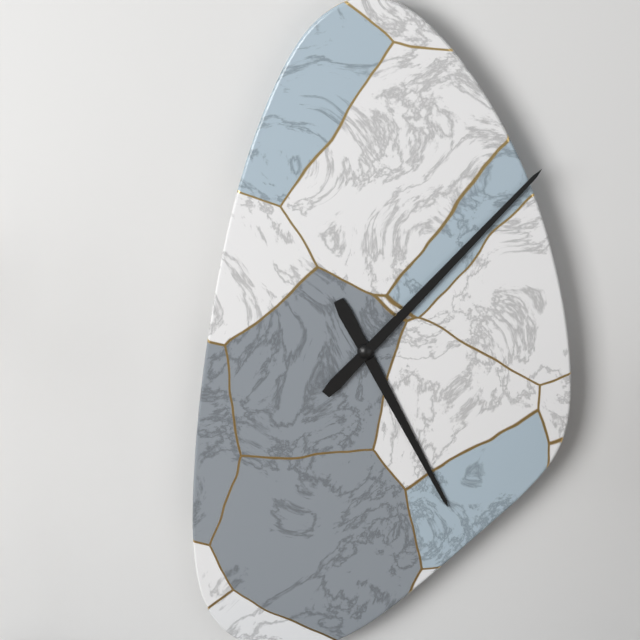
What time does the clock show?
5:07
